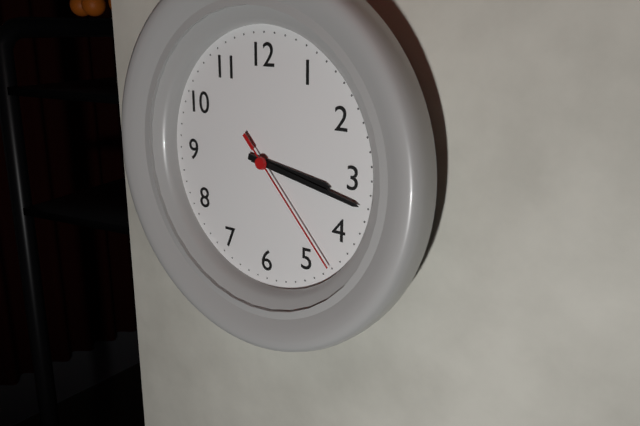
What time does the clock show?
3:17:23
